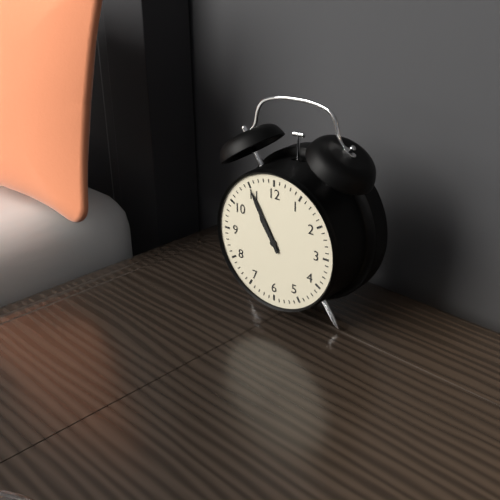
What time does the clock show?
10:55
